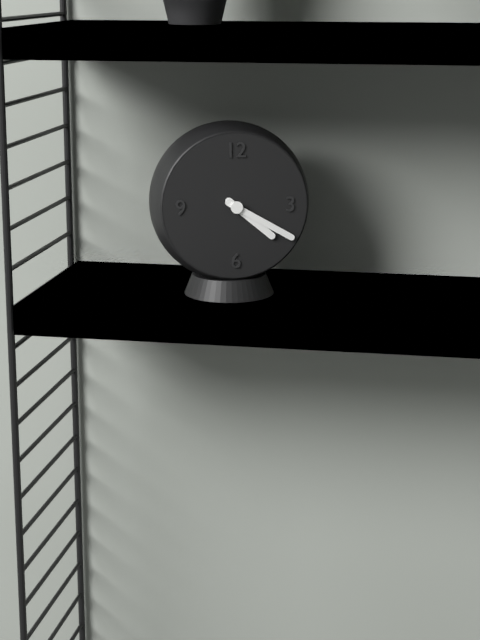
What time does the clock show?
4:20
